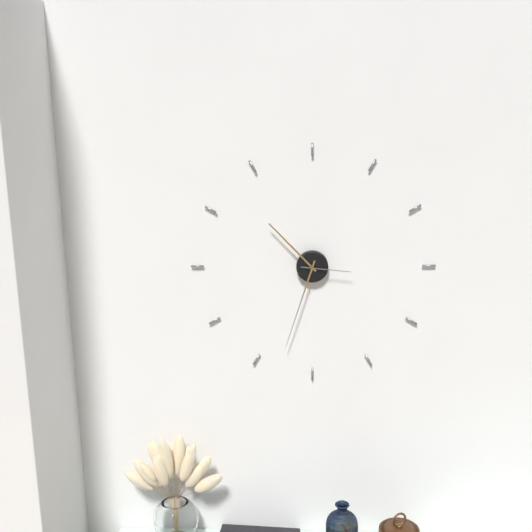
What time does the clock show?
10:33
